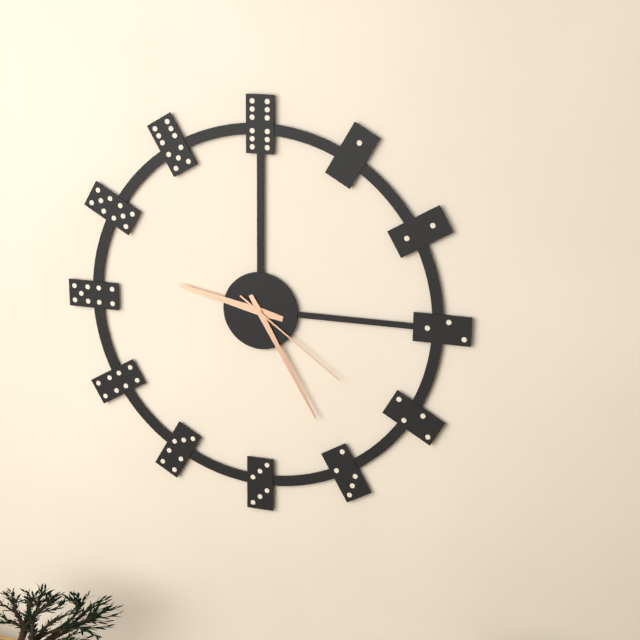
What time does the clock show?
9:25:21
